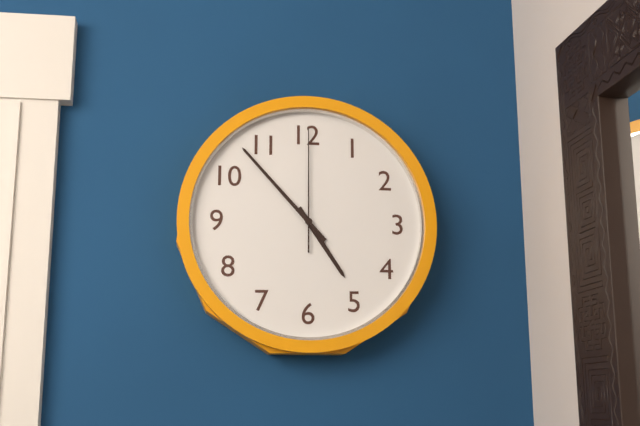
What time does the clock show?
4:53:00
